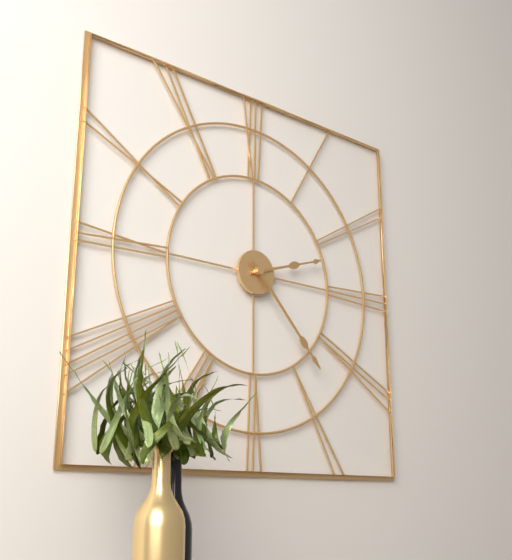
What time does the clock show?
2:23
